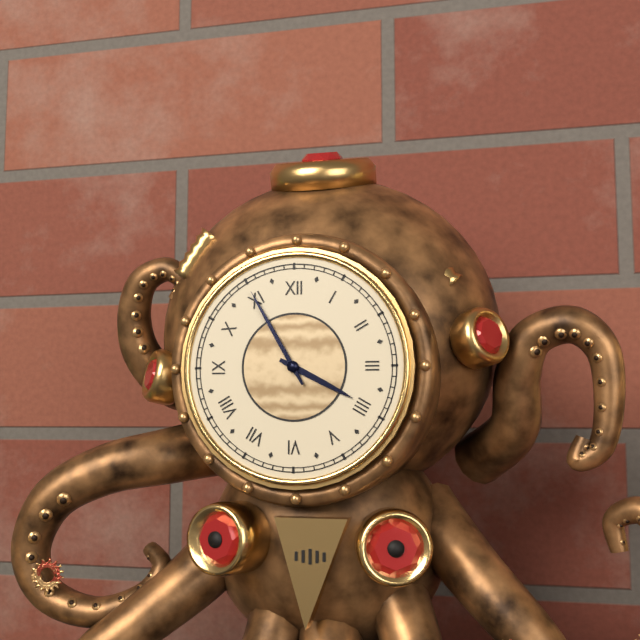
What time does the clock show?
3:55
